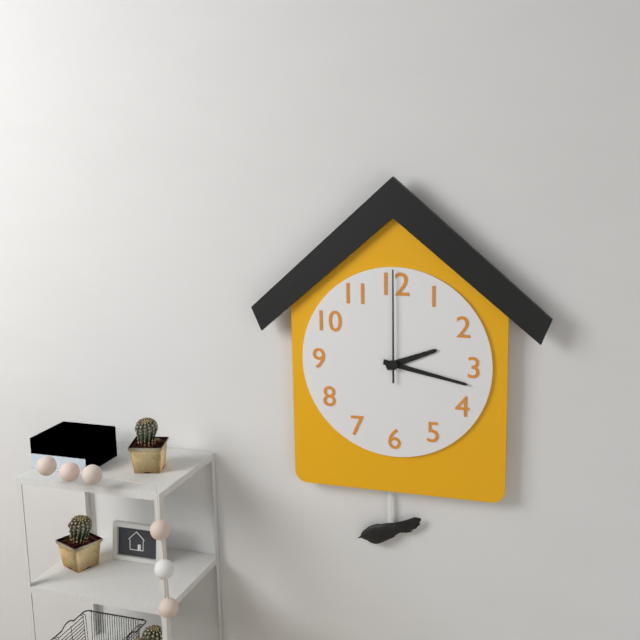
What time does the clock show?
2:17:00
